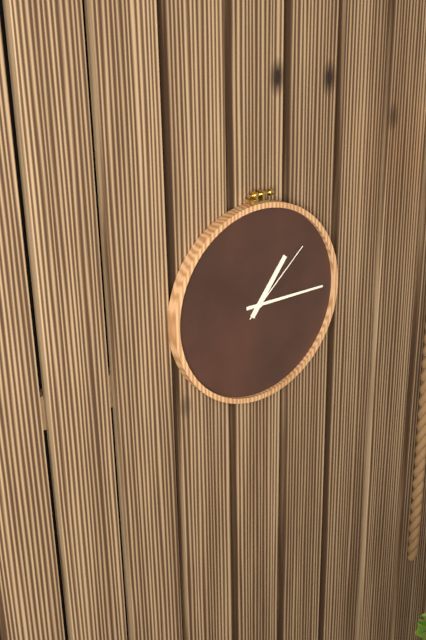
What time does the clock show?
1:15:08
